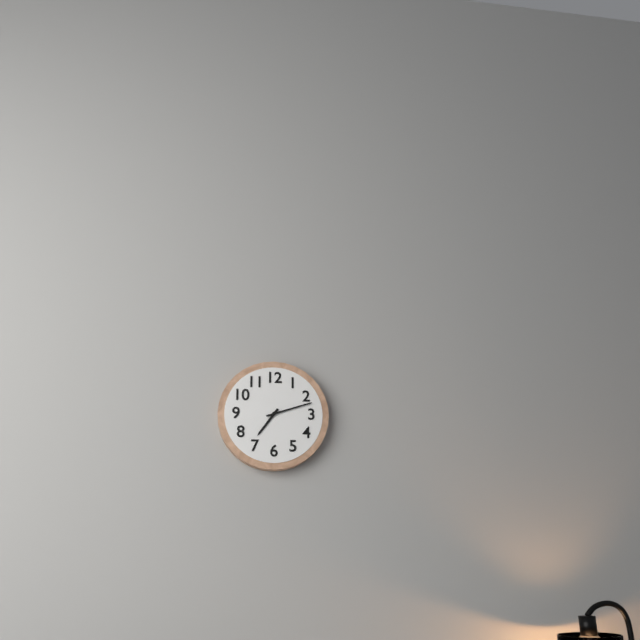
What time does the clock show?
7:12
